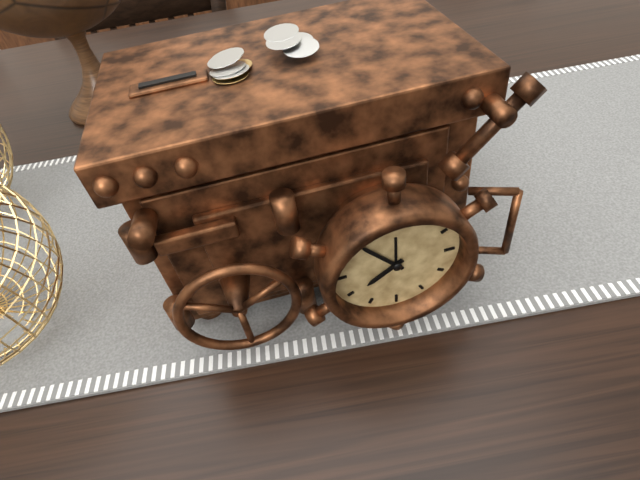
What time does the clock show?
7:53
